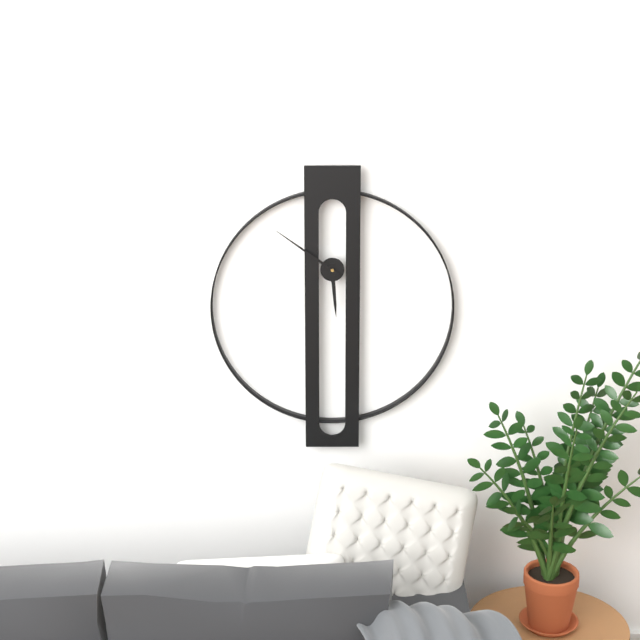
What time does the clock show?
5:51
